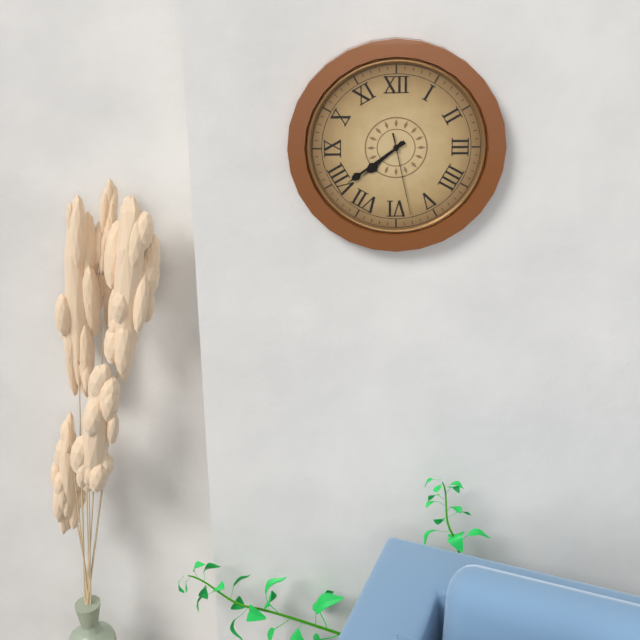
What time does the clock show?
7:39:28
